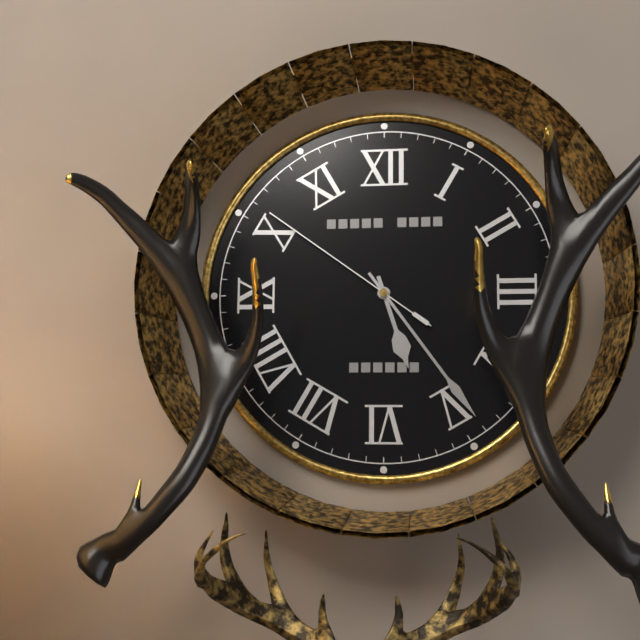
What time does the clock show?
5:24:51
